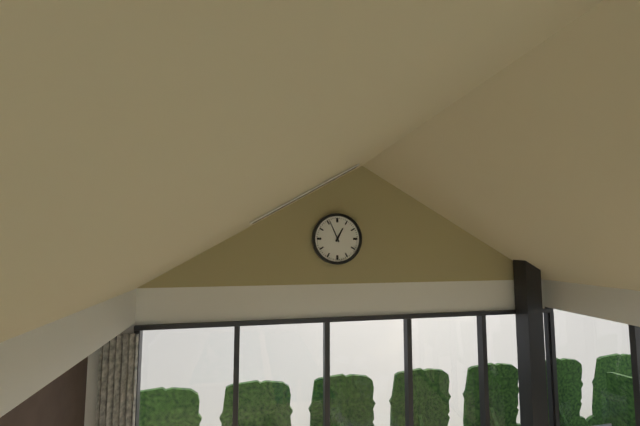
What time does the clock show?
12:56
